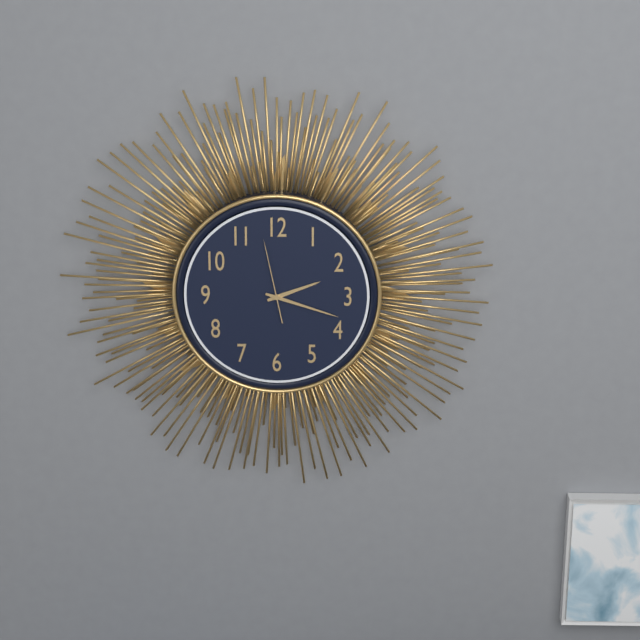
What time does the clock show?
2:18:58
